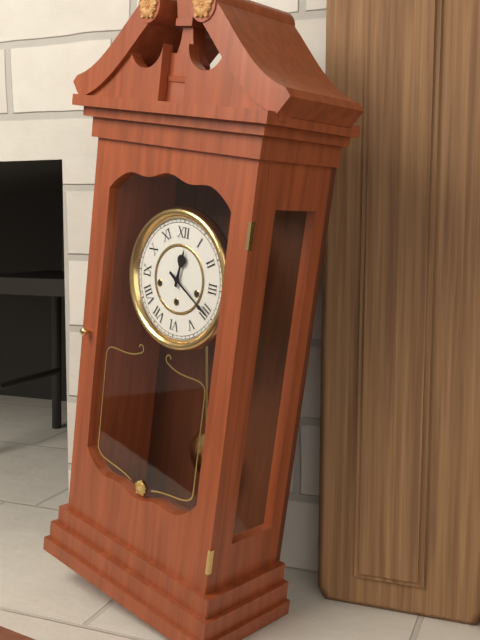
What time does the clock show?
12:20
